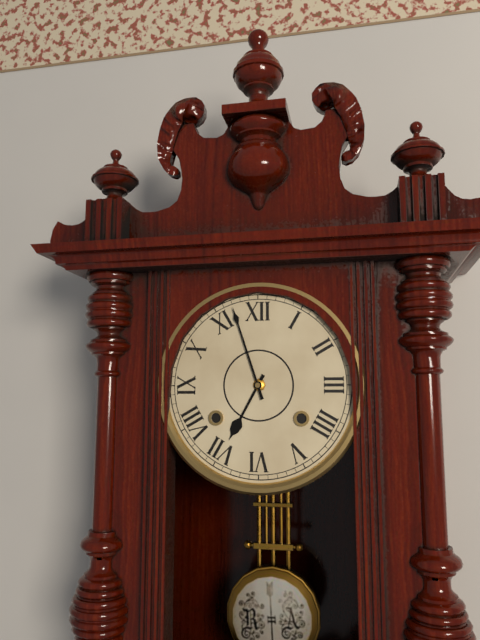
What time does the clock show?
6:57
